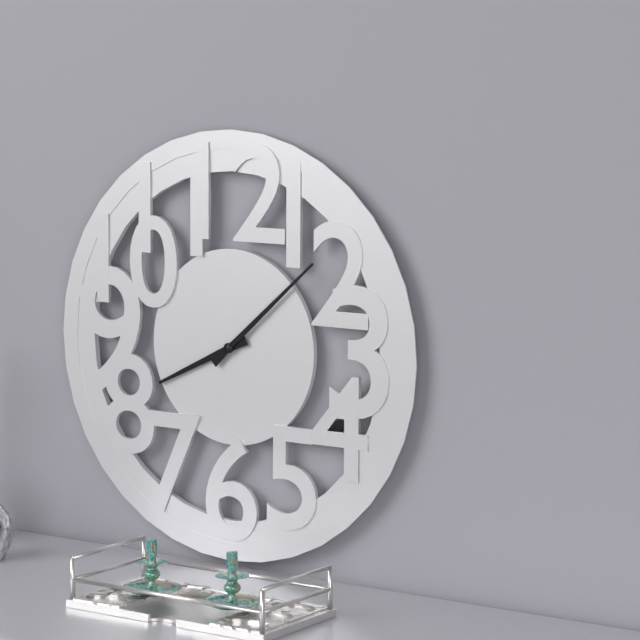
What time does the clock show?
8:08
